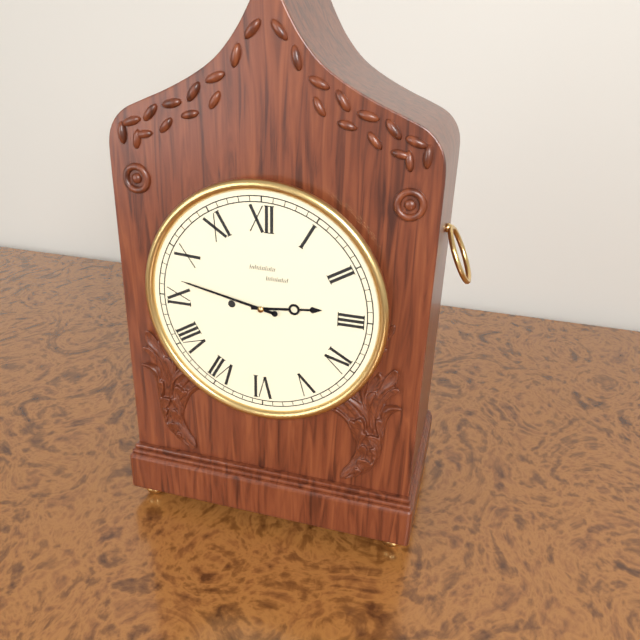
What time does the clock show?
2:47
